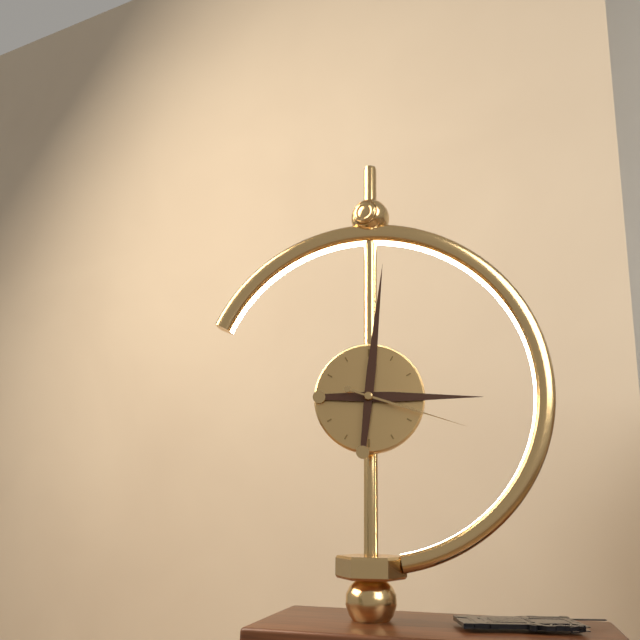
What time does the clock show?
3:01:18
